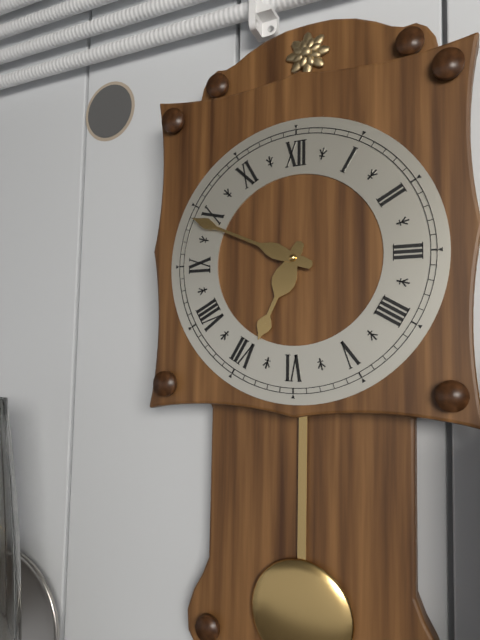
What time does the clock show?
6:49
